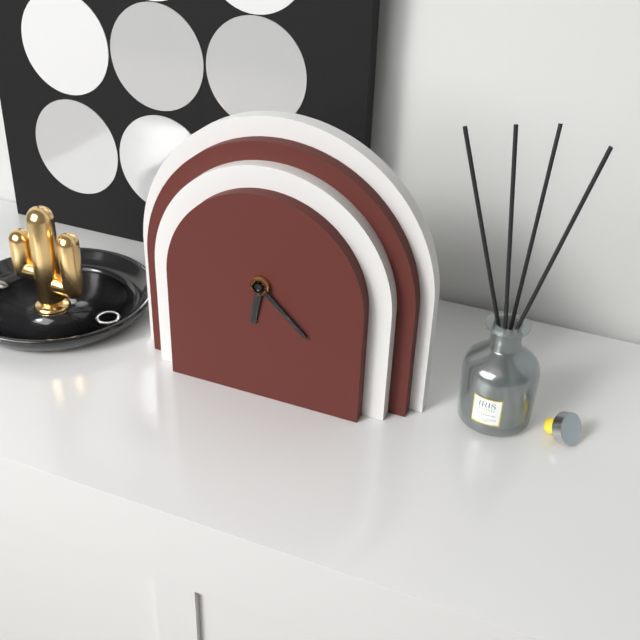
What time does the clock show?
6:22
